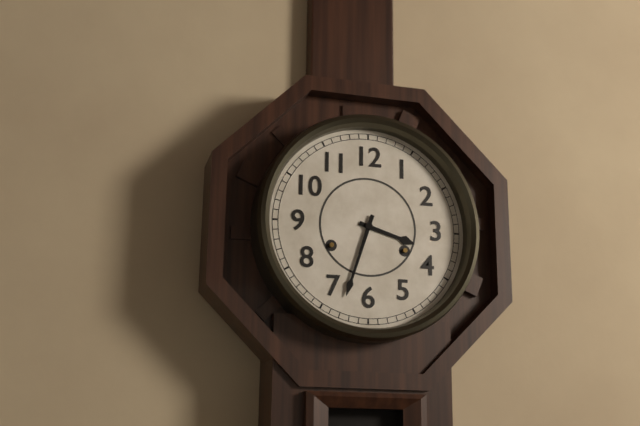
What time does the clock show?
3:33
